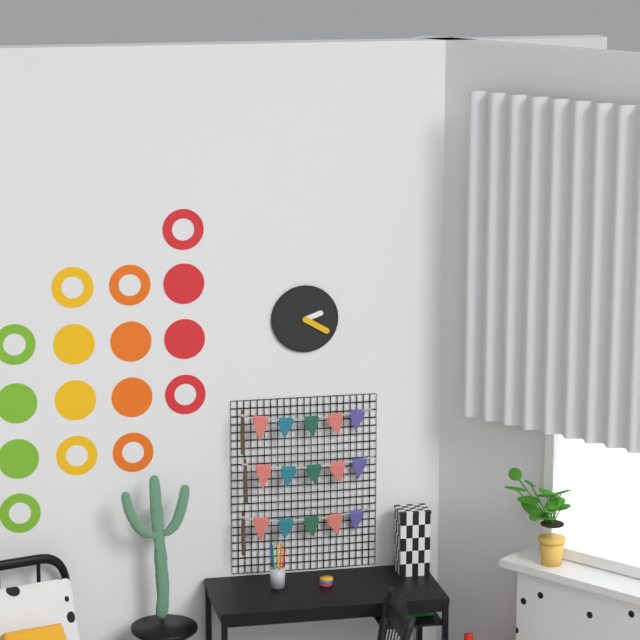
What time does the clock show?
2:20
